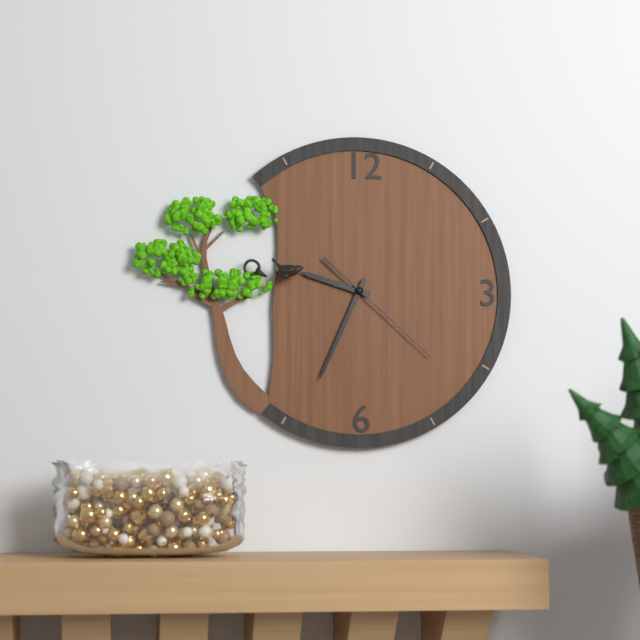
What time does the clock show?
9:34:22
